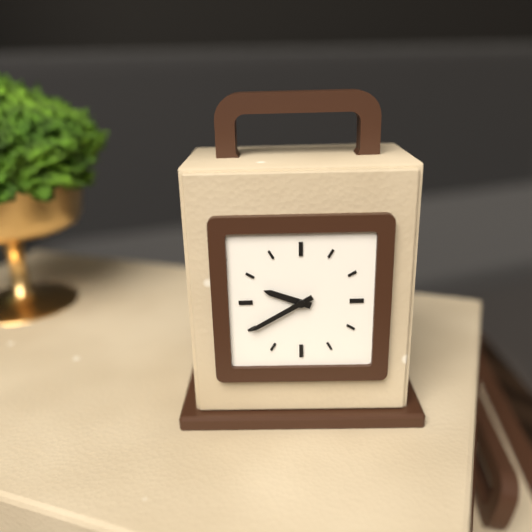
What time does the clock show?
9:40
